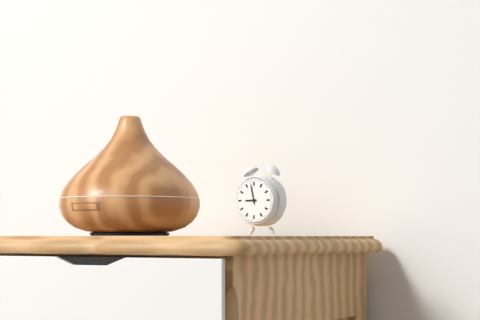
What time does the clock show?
8:58
